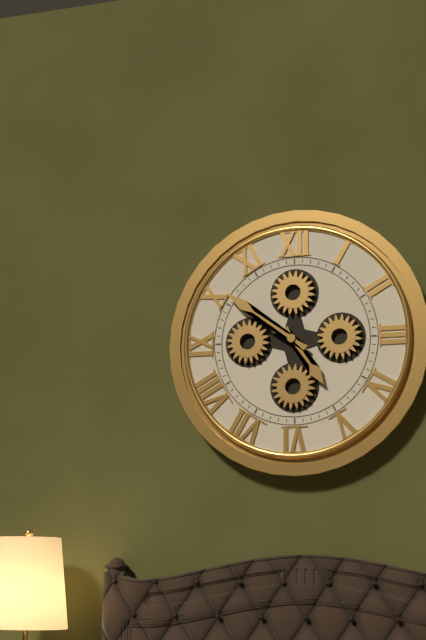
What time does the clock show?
4:51
